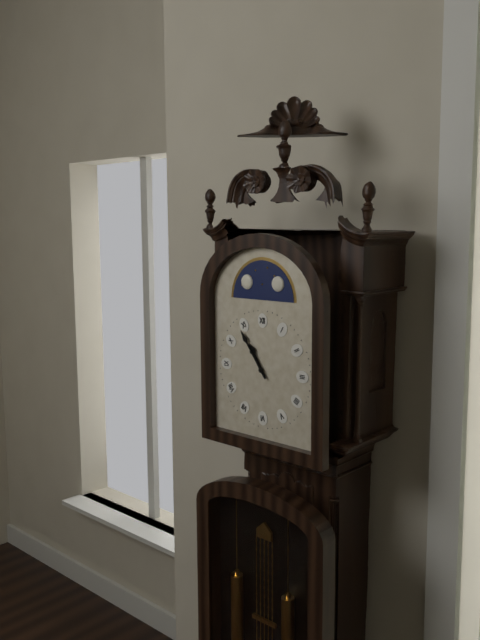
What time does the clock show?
10:54
